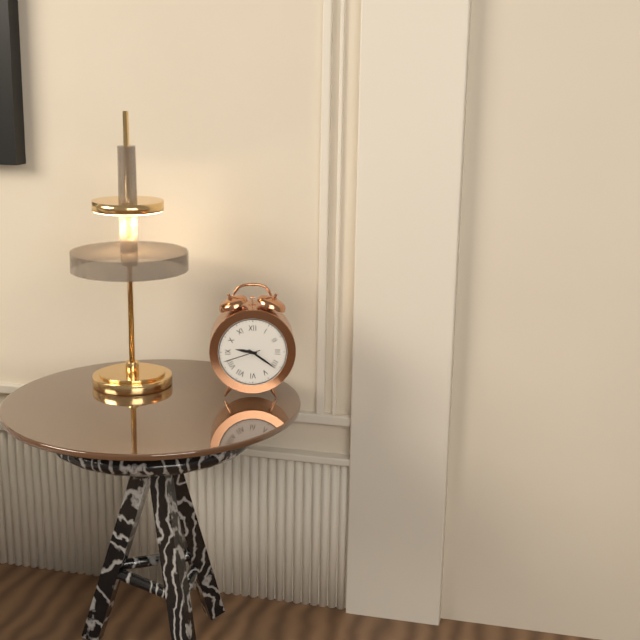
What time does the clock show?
9:21
